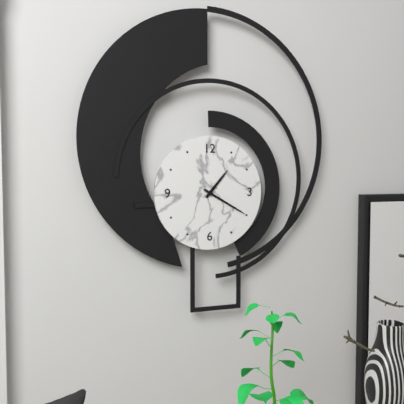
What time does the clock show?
1:20
